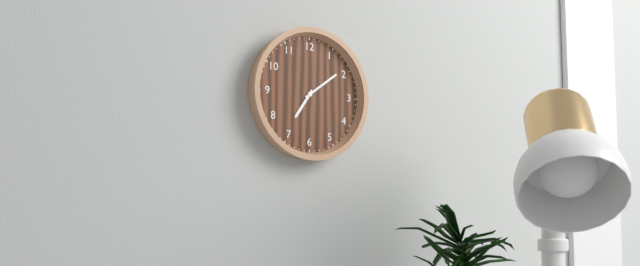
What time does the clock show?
7:09
